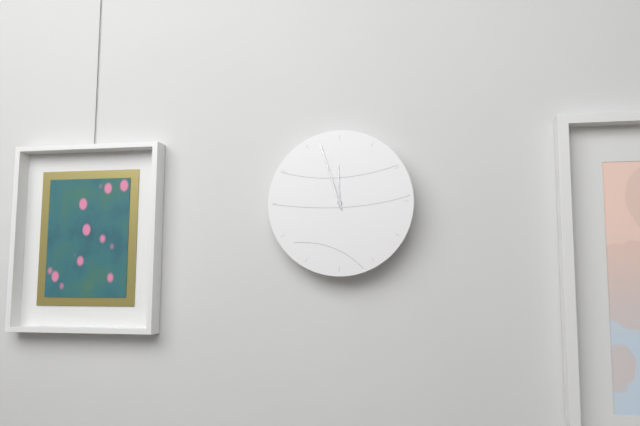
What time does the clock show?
11:57
